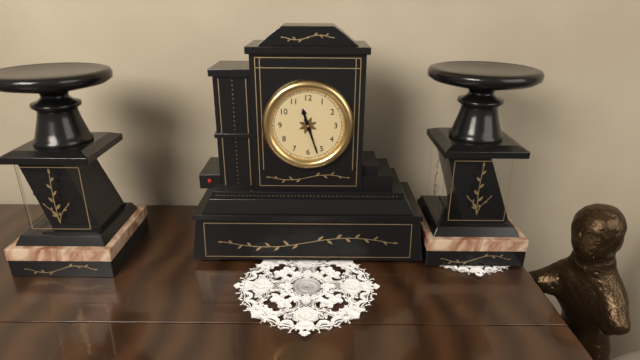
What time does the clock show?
11:27
